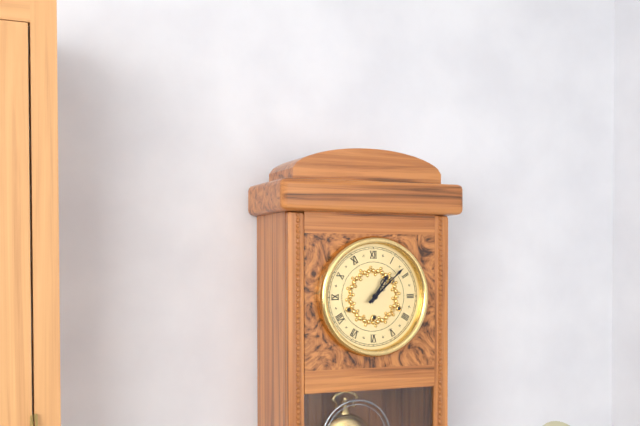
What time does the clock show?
1:08
